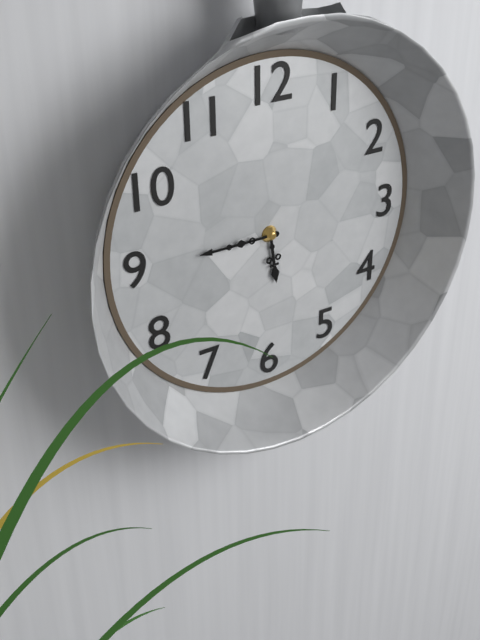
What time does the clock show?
5:45
